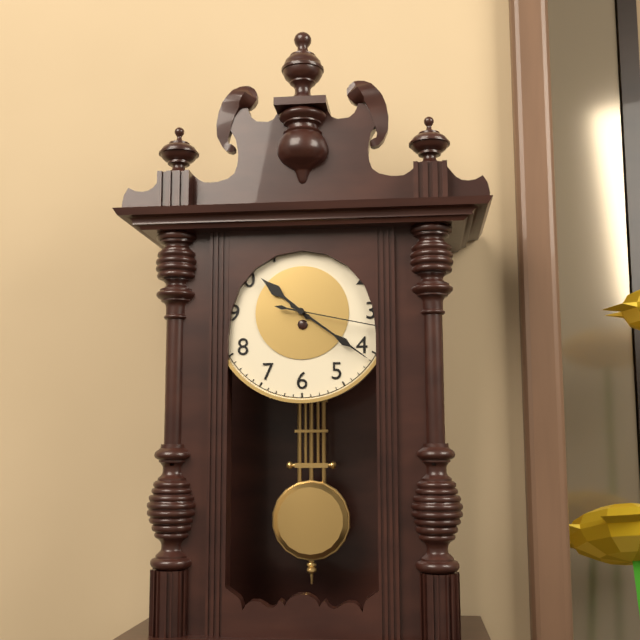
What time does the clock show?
10:21:17
